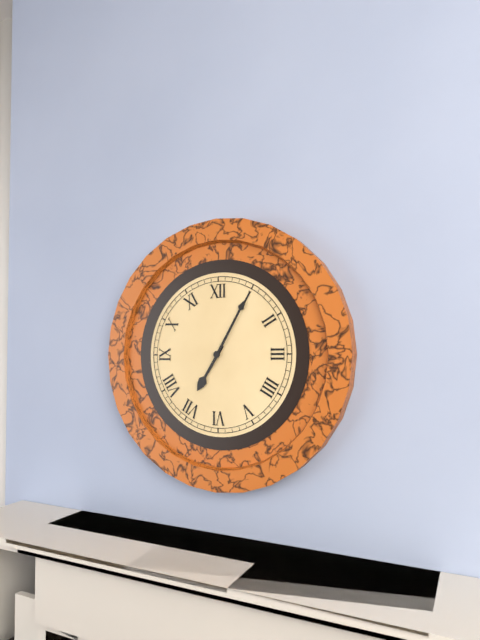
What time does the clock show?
7:05
